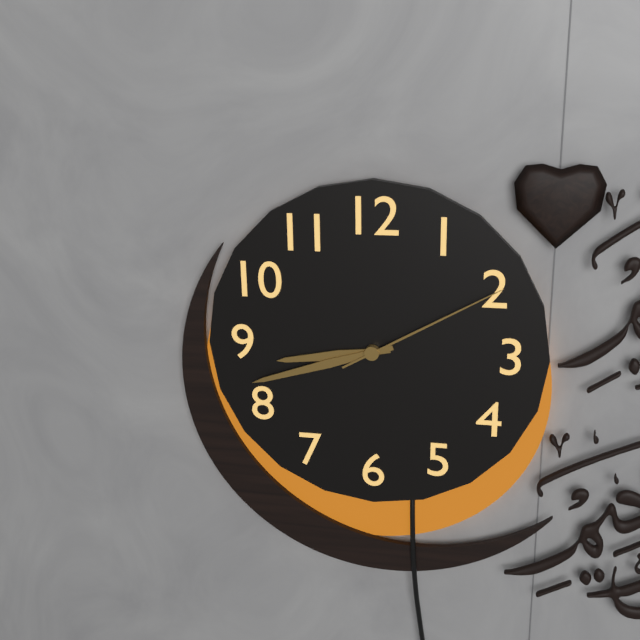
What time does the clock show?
8:42:10
